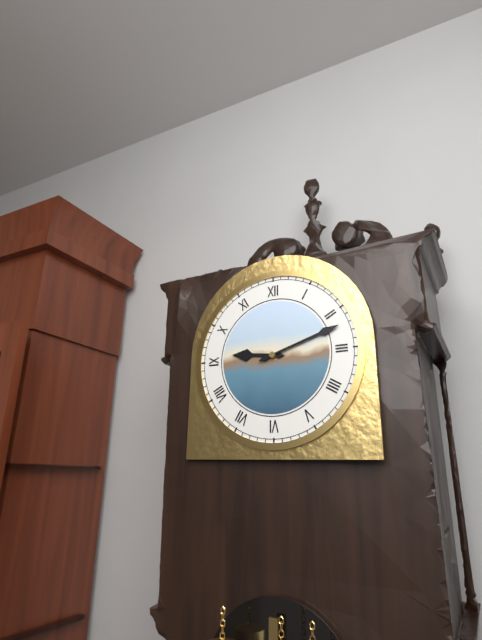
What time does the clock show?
9:12
